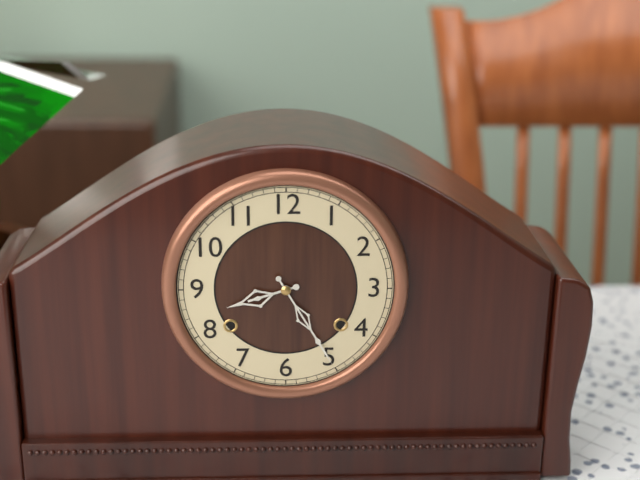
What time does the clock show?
8:25
